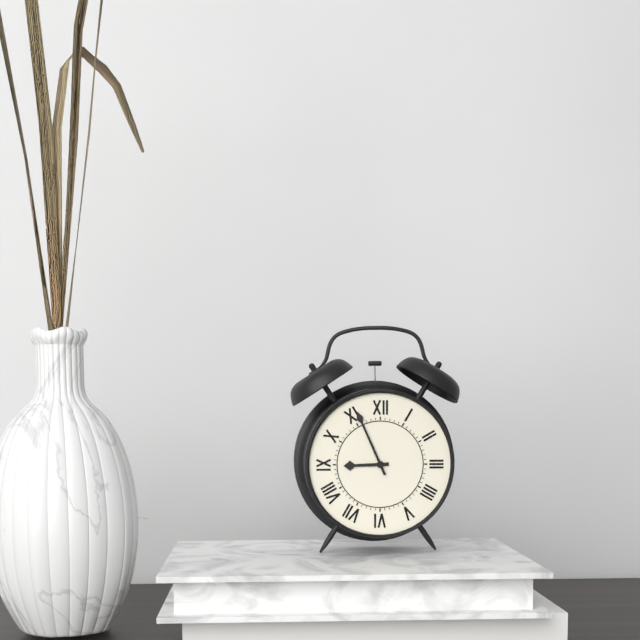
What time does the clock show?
8:56
